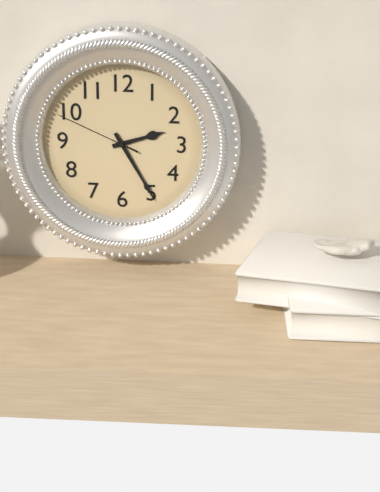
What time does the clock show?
2:25:49
